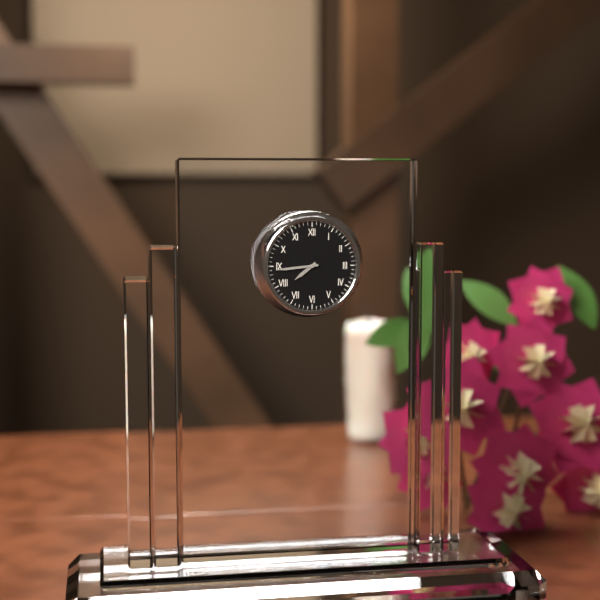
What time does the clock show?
7:44
